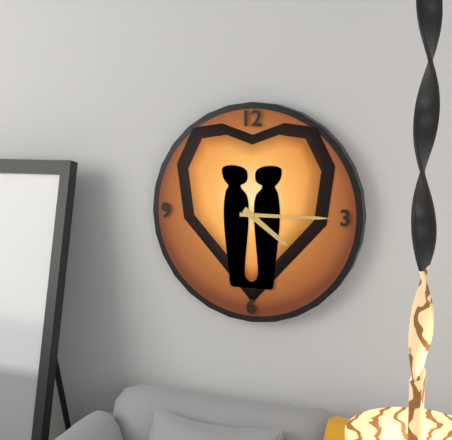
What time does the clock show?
4:15
